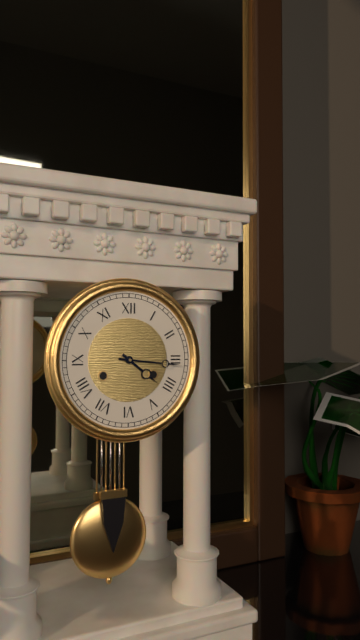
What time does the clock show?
4:16
